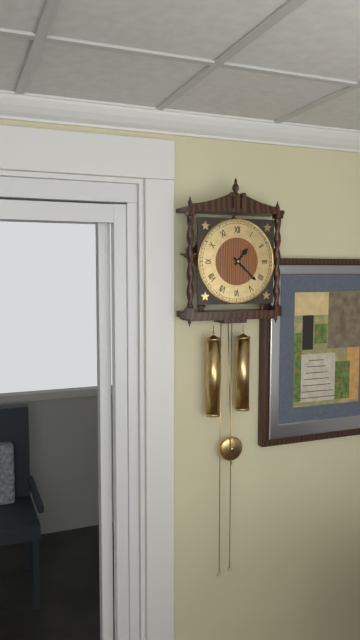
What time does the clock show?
1:22
